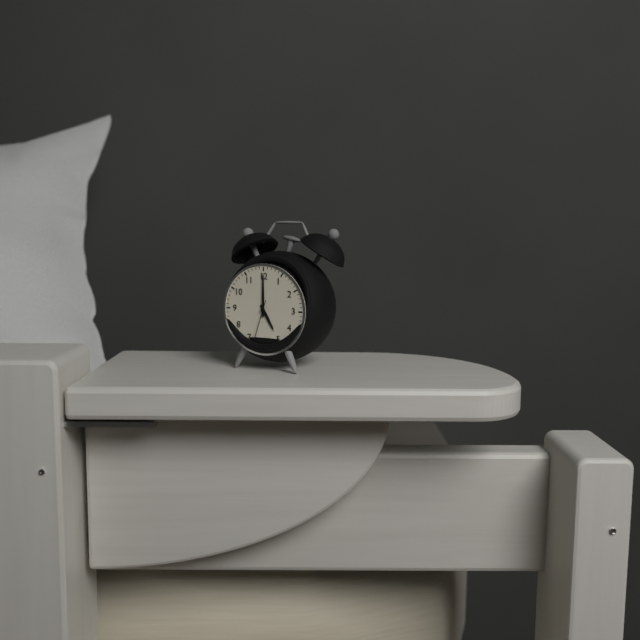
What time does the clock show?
5:00
